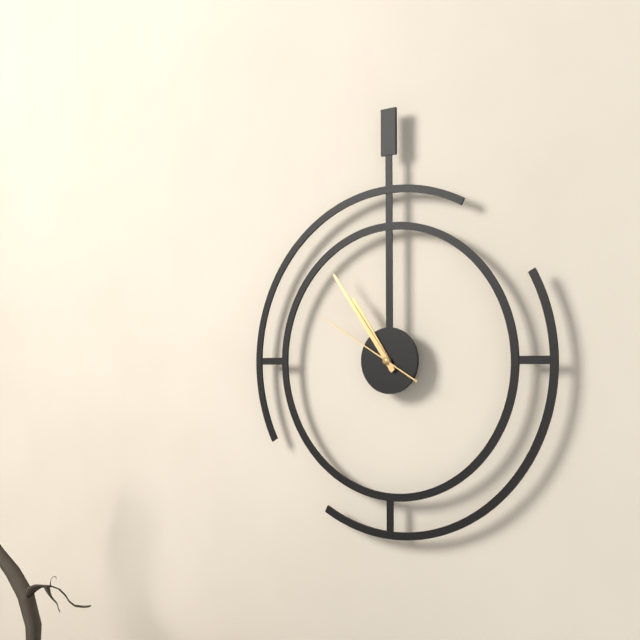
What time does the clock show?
10:54:50
